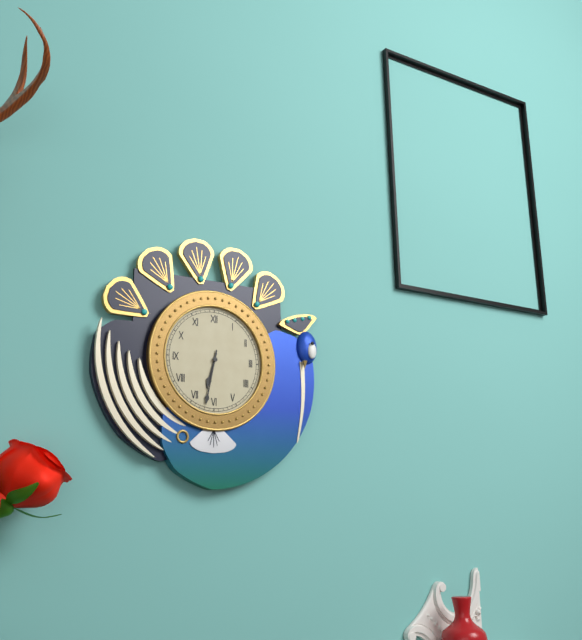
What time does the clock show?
6:32
